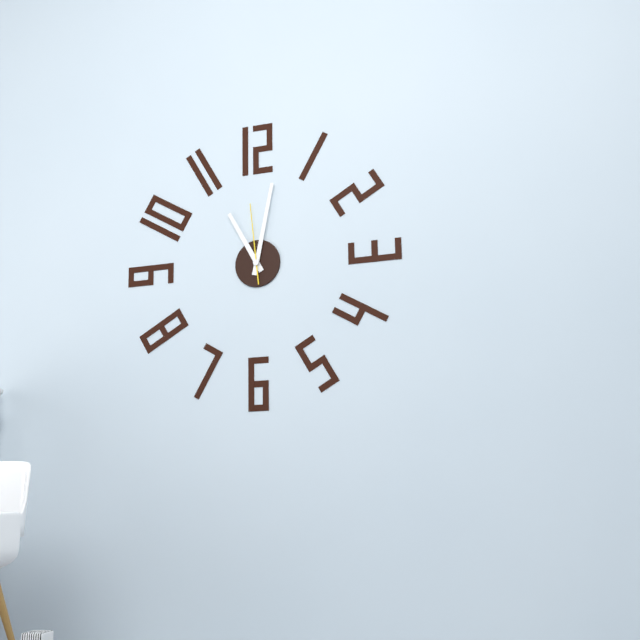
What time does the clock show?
11:02:59
